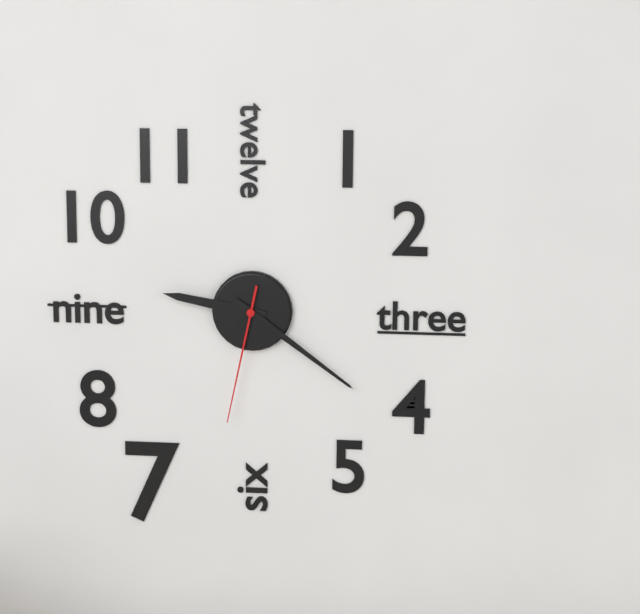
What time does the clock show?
9:21:32
